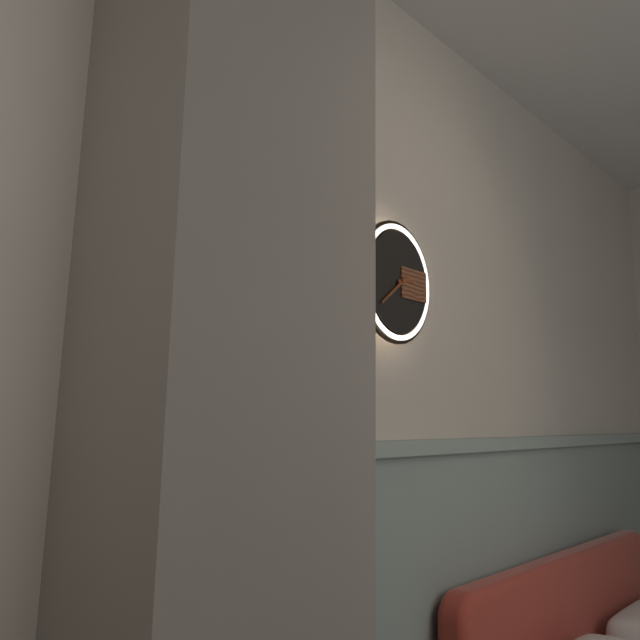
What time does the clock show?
2:39
